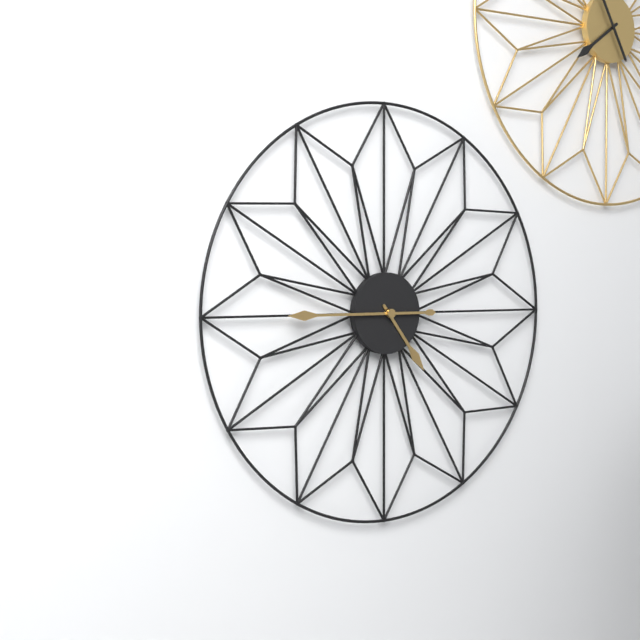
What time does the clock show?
4:45
